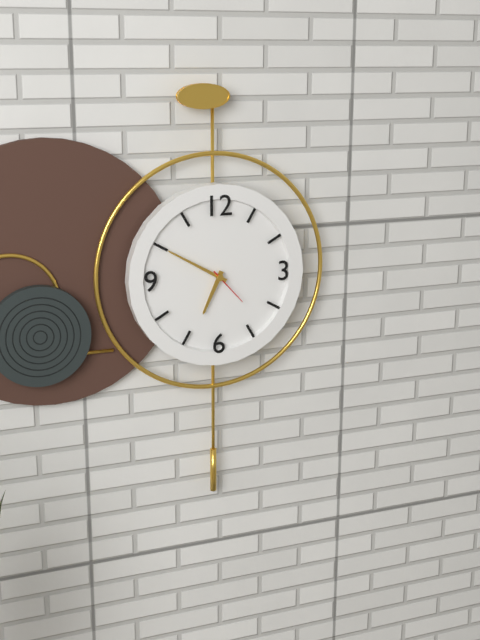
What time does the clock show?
6:50
